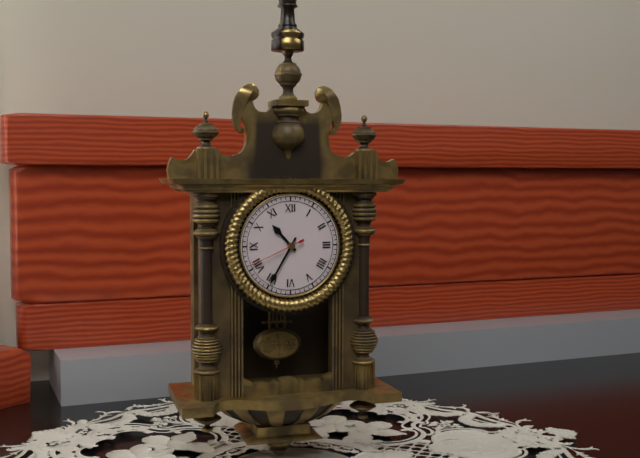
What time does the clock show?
10:35:41
